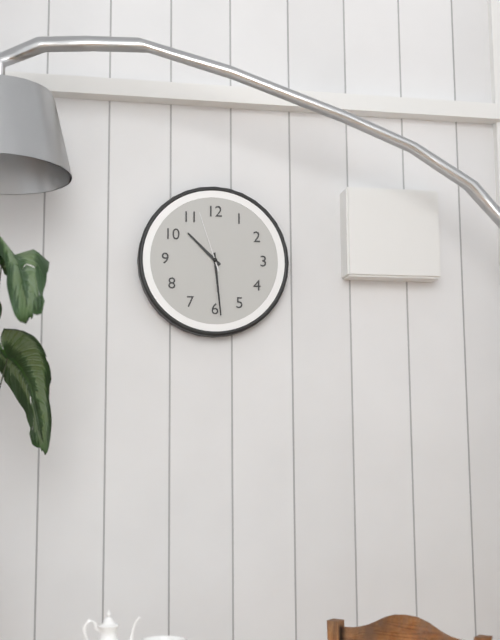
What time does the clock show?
10:29:57
